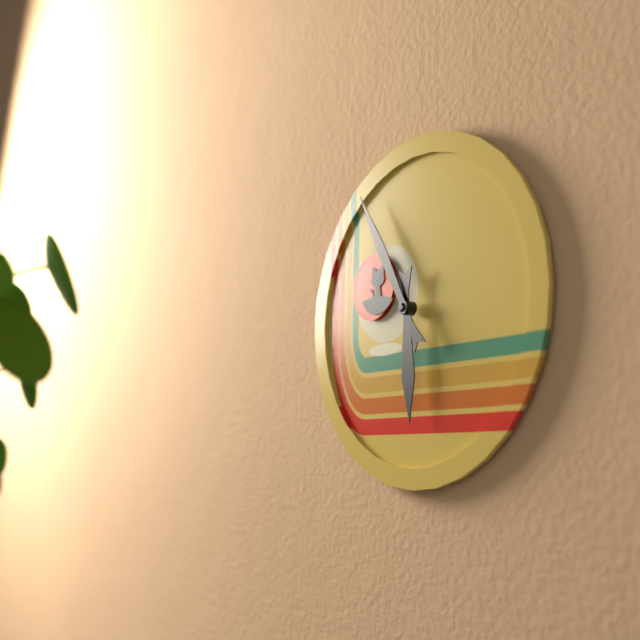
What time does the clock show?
5:55
